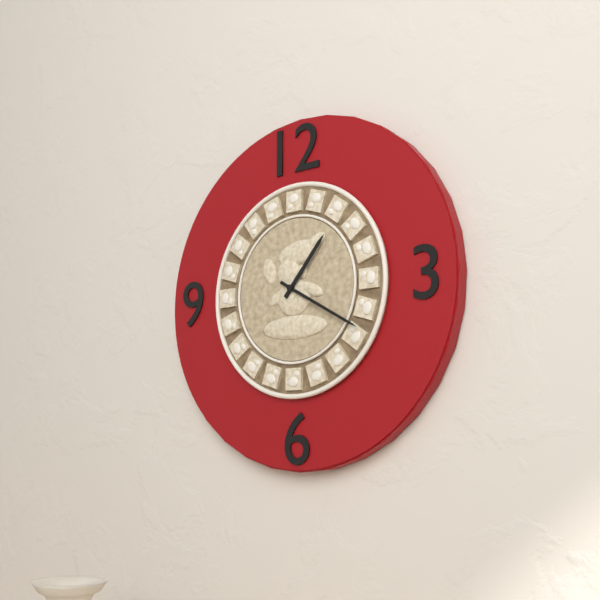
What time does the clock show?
1:20
